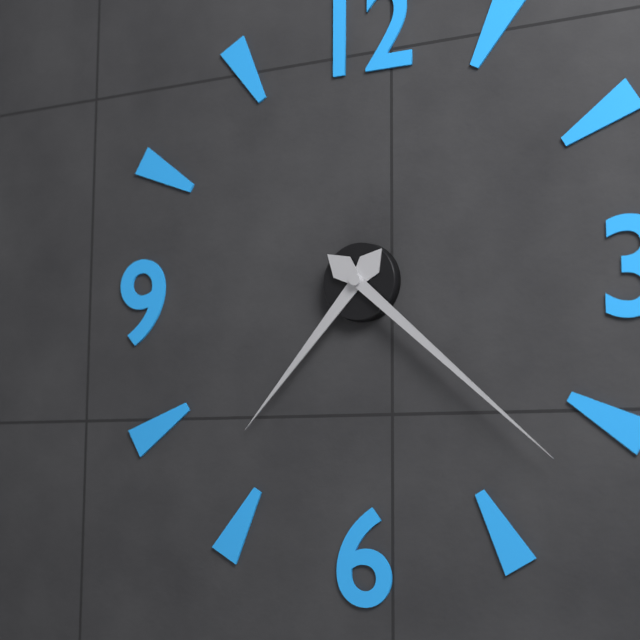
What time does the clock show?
7:22
